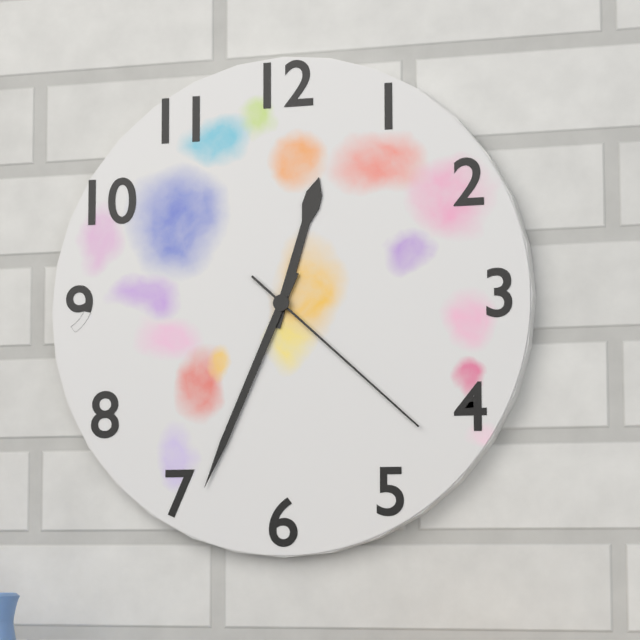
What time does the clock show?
12:34:22
